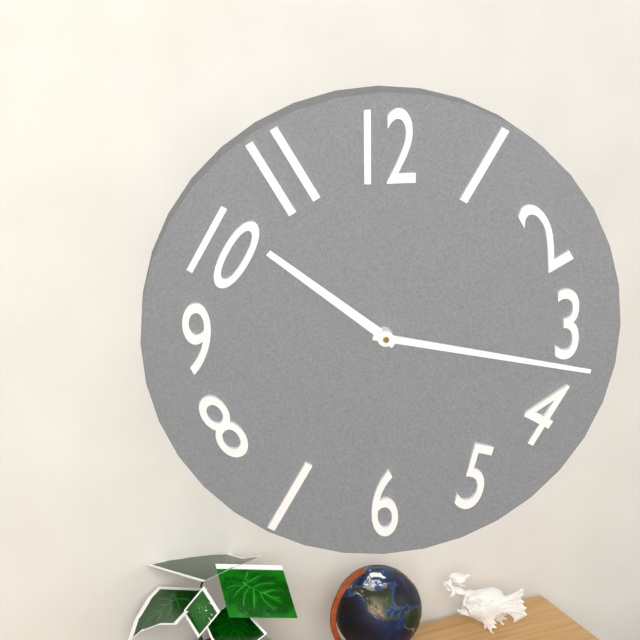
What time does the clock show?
10:17
